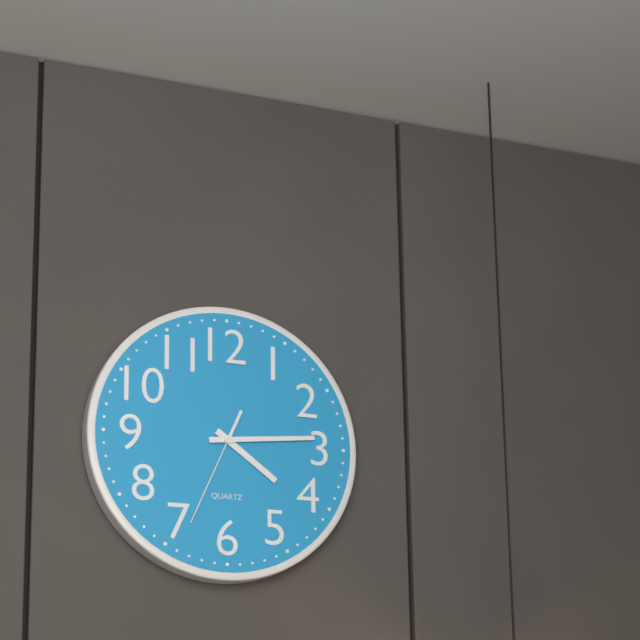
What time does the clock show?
4:14:34
